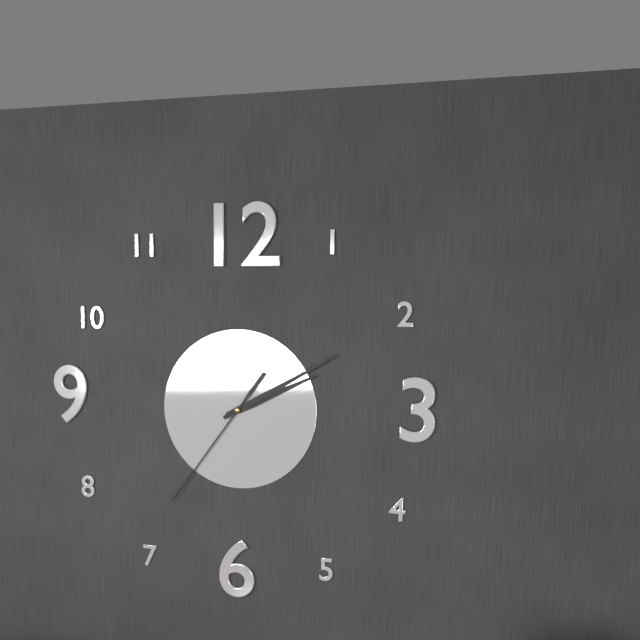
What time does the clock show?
2:10:36
